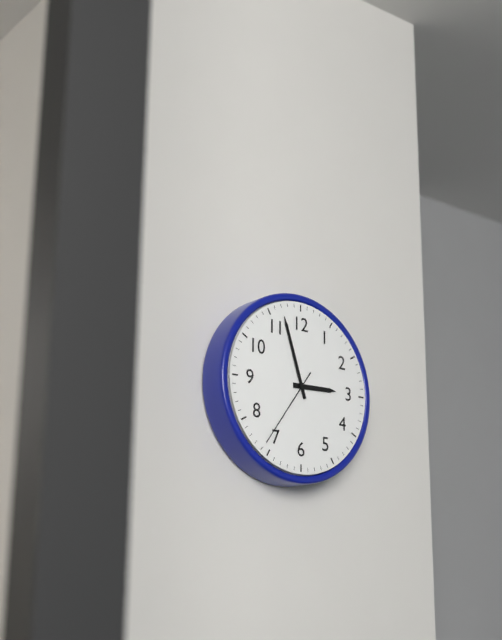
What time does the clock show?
2:57:36
